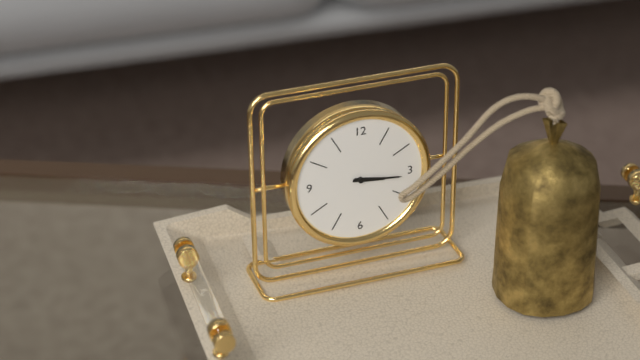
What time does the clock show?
3:16
